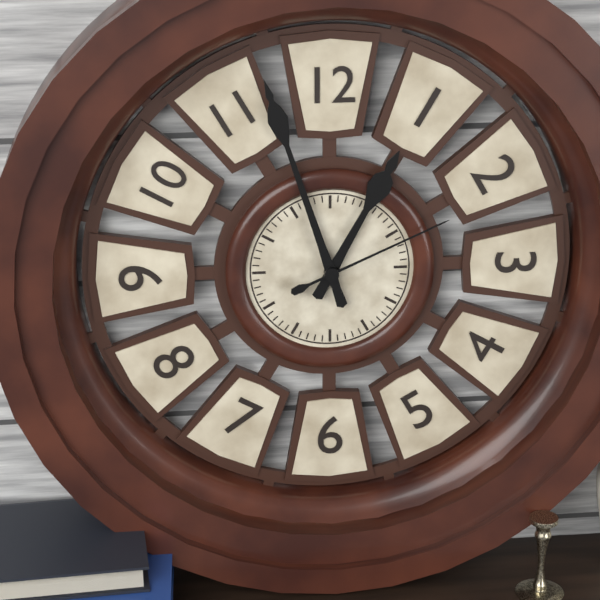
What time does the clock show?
12:57:11
